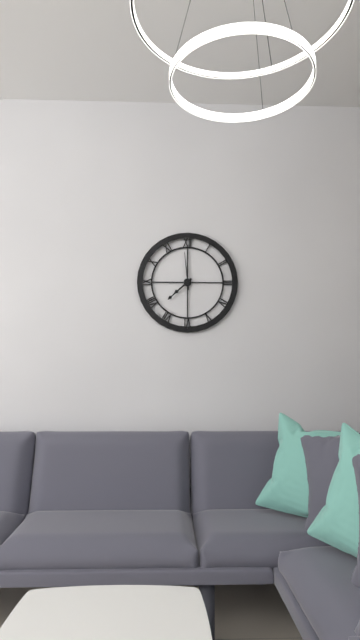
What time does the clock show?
7:38
